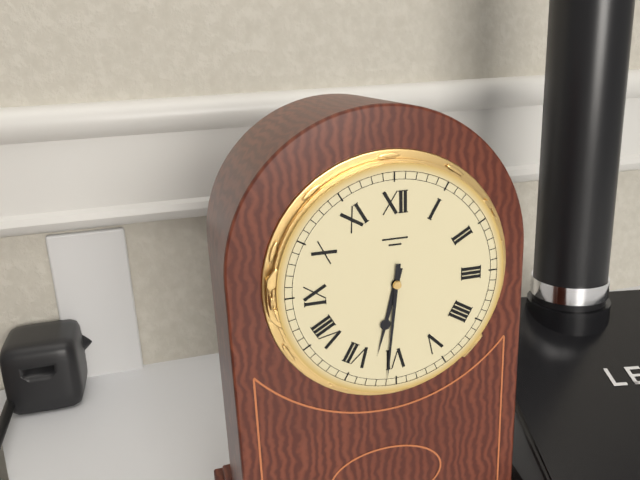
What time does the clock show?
6:31
